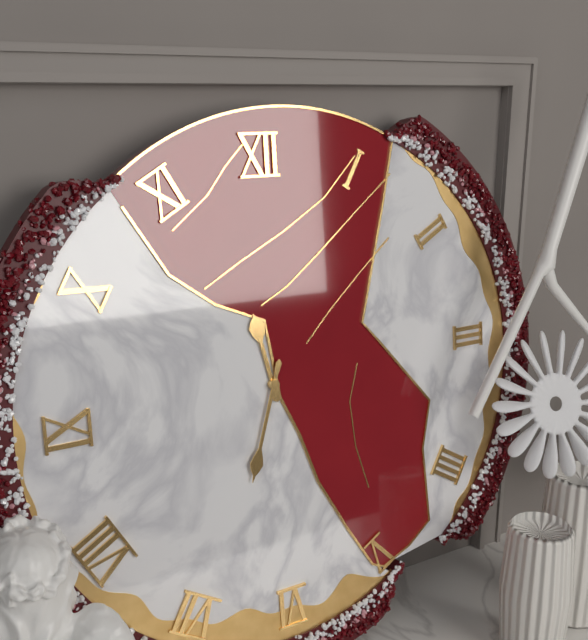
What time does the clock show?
11:33
